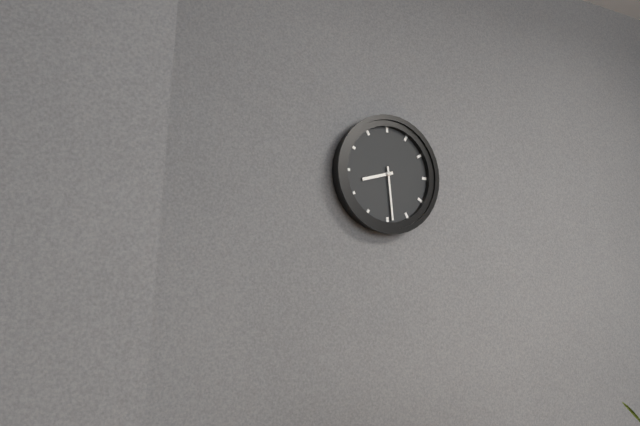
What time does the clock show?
8:29
